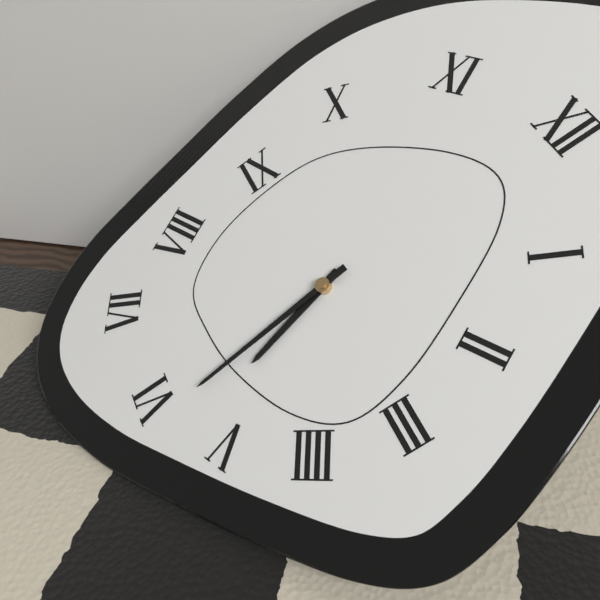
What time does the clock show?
5:29
